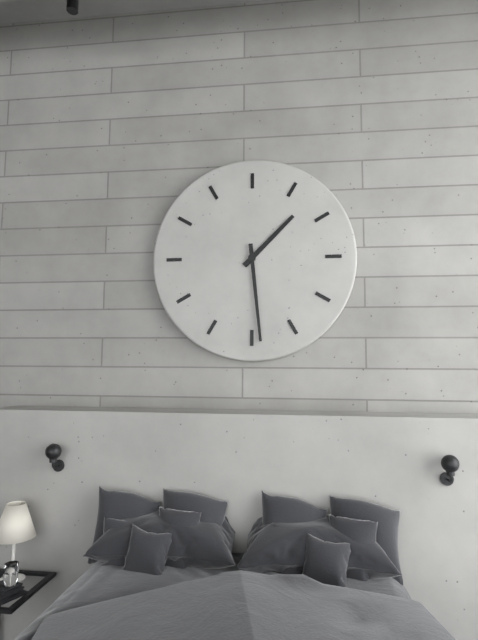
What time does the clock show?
1:29
